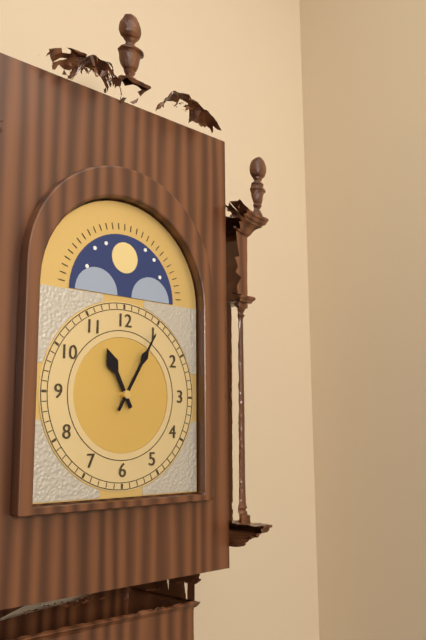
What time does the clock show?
11:05
